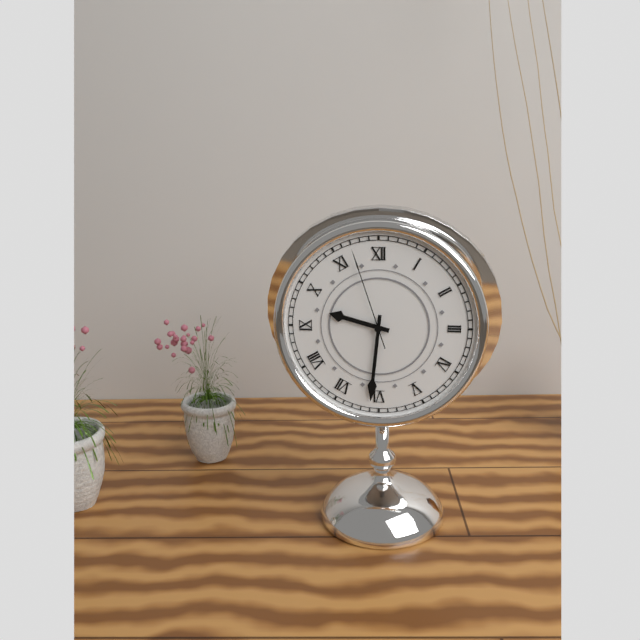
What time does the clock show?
9:31:57
